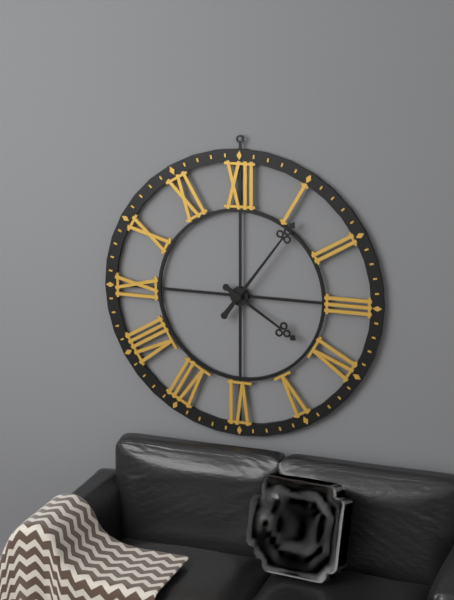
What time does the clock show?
4:06
